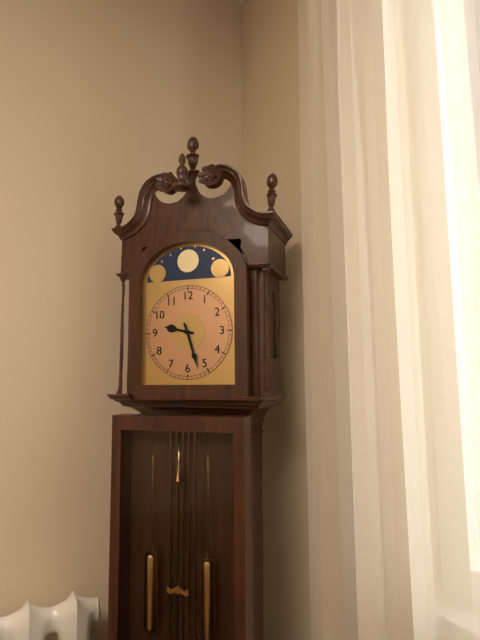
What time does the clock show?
9:27
